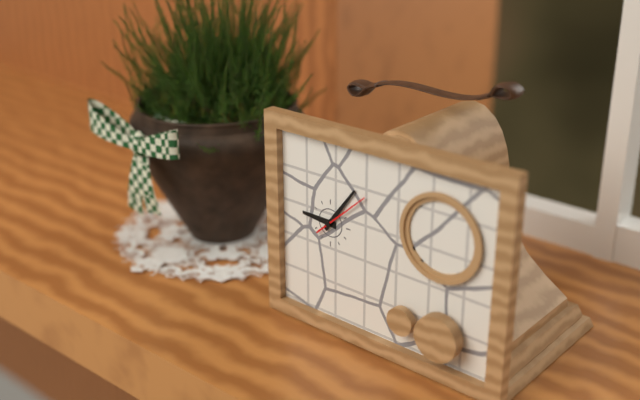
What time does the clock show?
9:06:08
